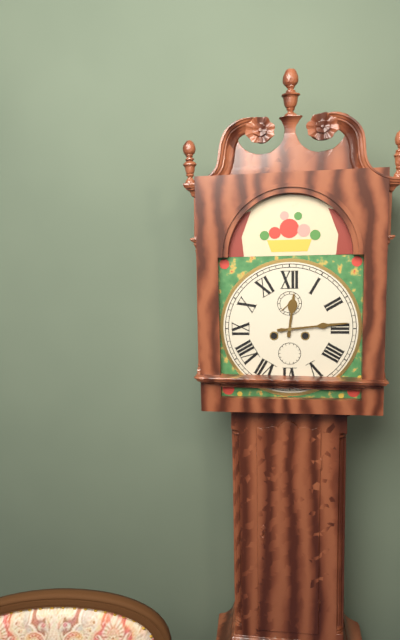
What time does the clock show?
12:14
